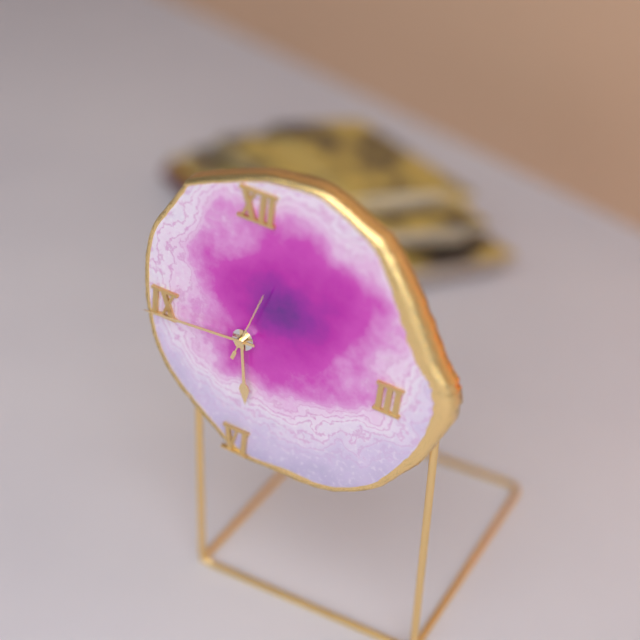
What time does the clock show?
5:44:03
